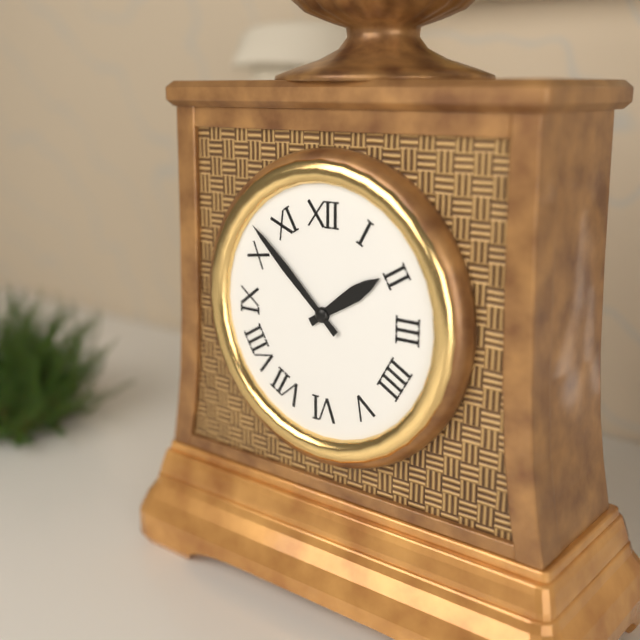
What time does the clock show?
1:52
